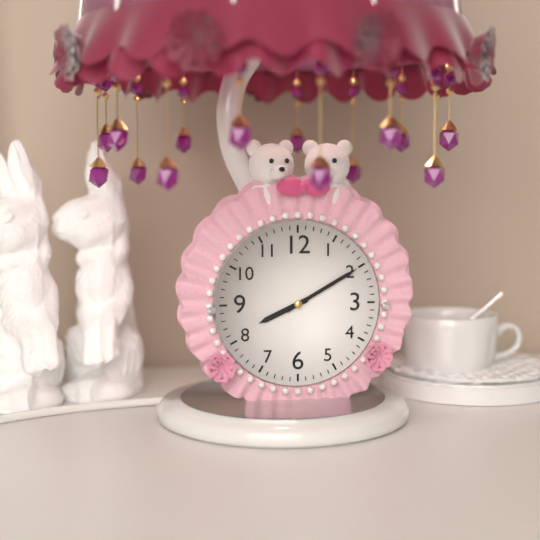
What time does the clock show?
8:10
